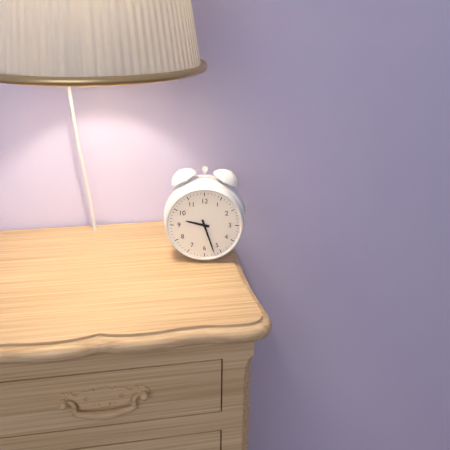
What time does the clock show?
9:27
